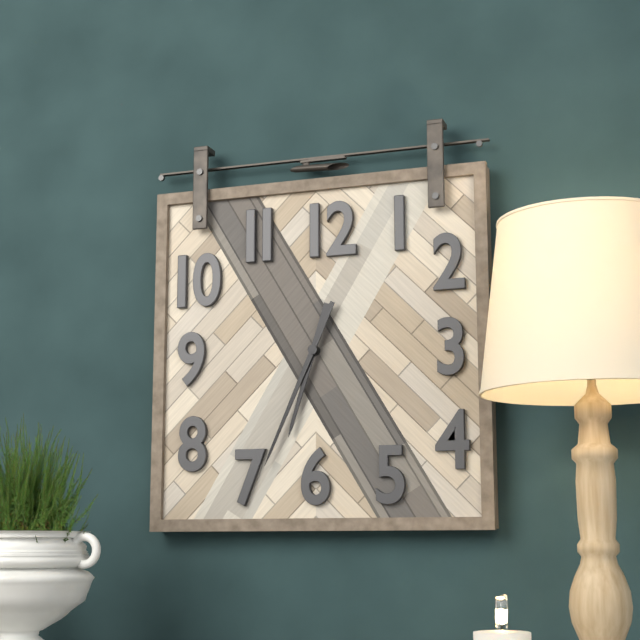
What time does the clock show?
6:34
